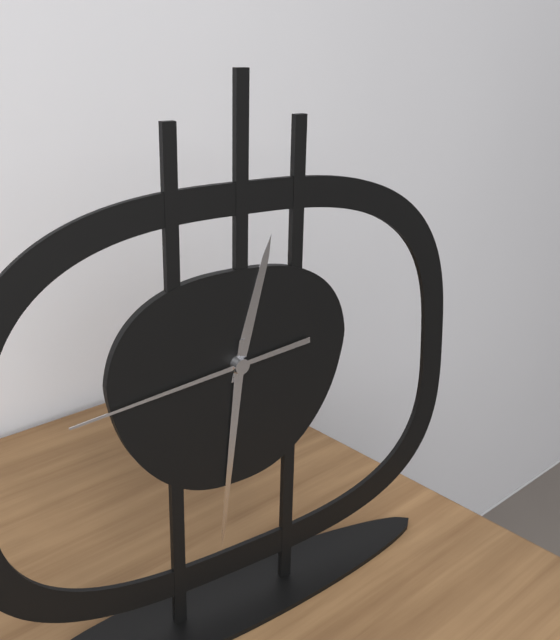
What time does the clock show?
12:31:44
